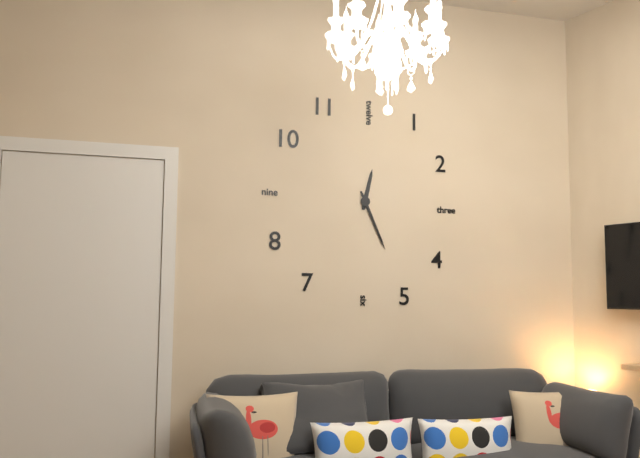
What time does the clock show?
12:26
